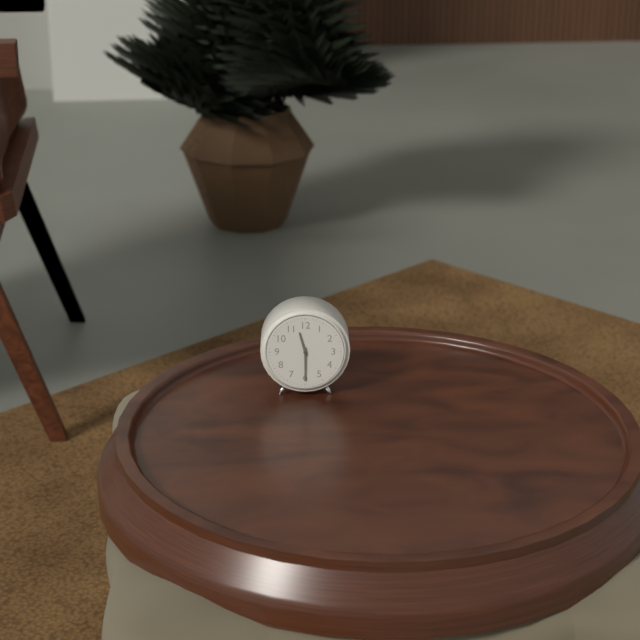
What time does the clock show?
11:30
